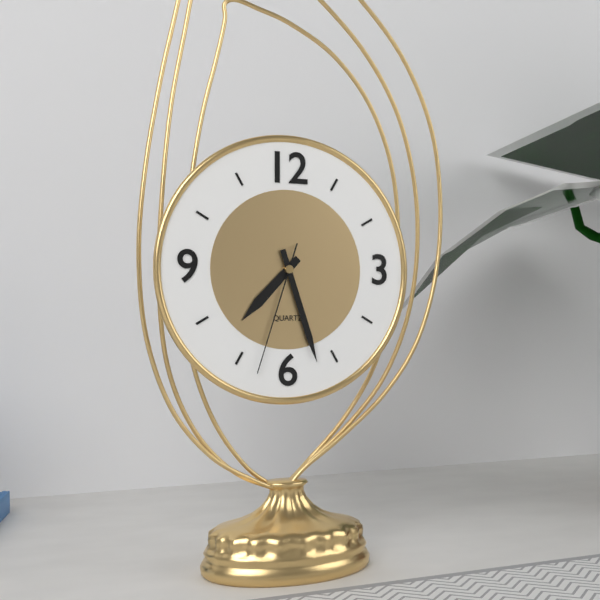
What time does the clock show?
7:27:33
